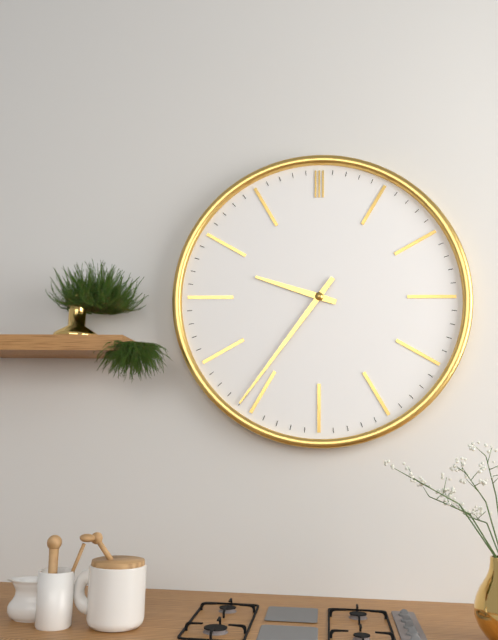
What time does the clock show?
9:36
